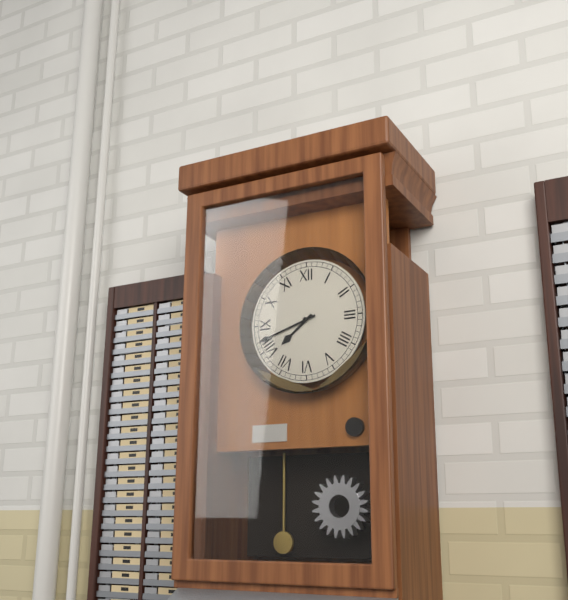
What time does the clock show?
7:42
